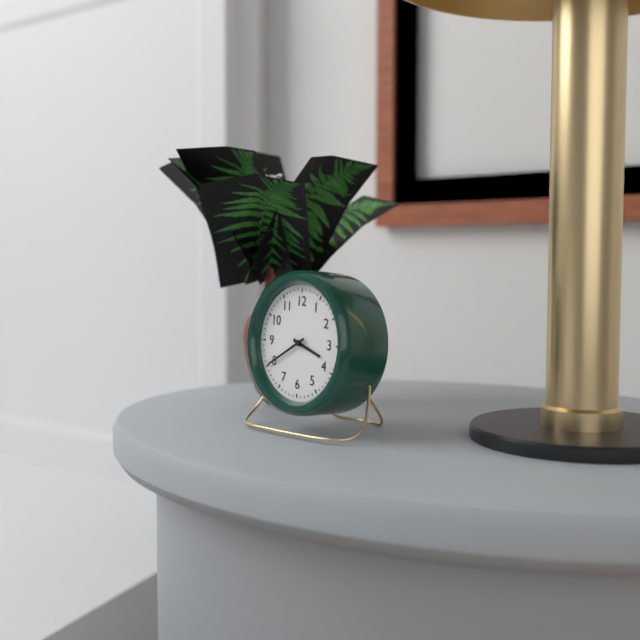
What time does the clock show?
3:40
